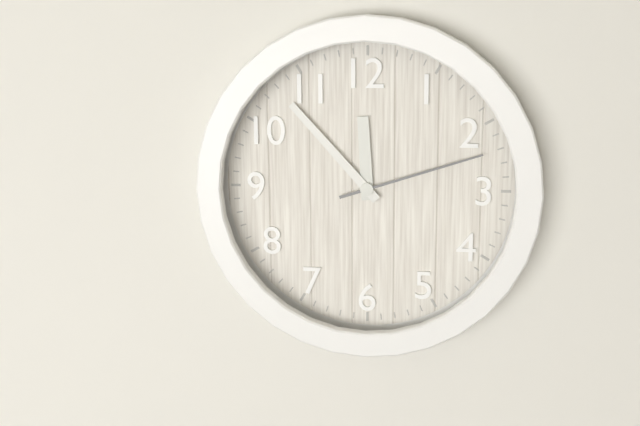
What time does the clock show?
11:53:12
